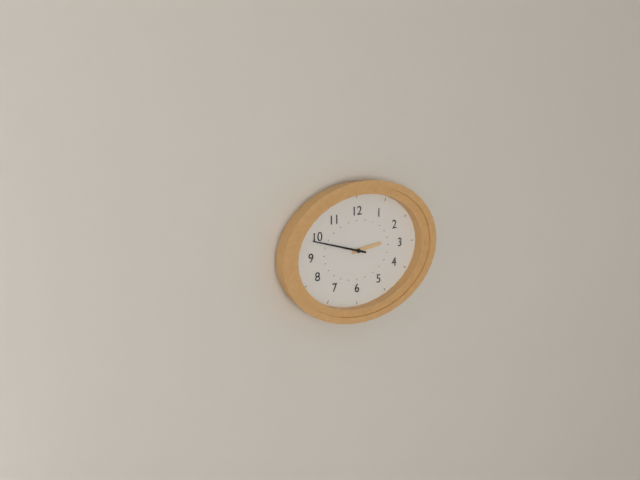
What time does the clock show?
2:48
